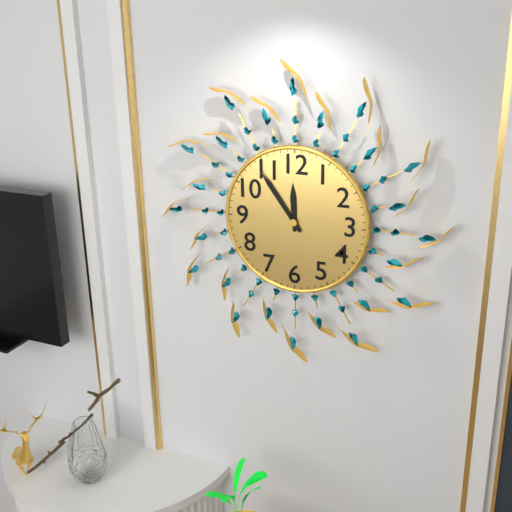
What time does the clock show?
11:54
